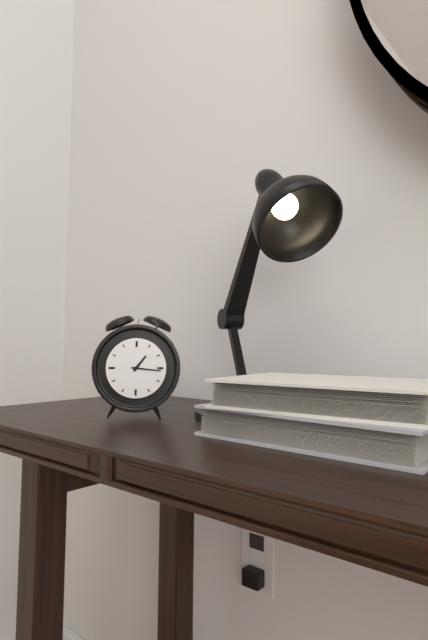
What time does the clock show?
1:16
